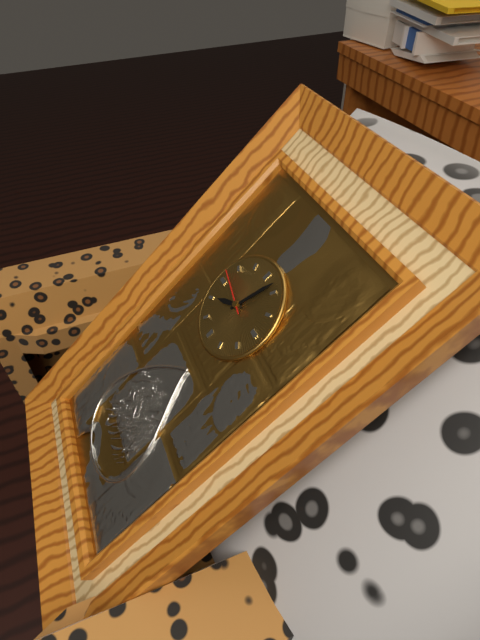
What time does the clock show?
8:03:47
